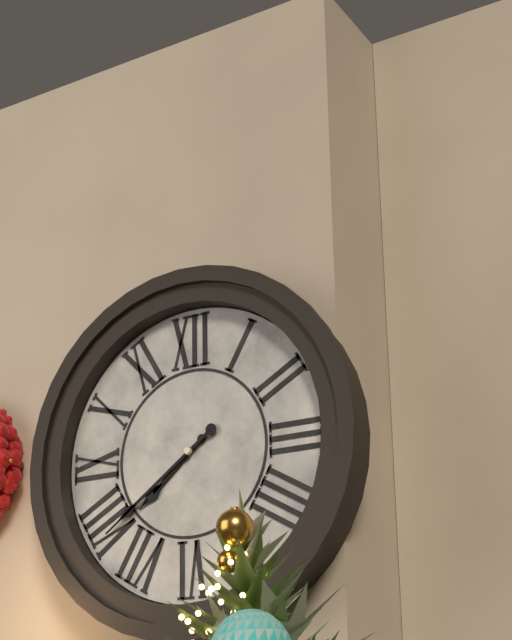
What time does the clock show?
7:39
